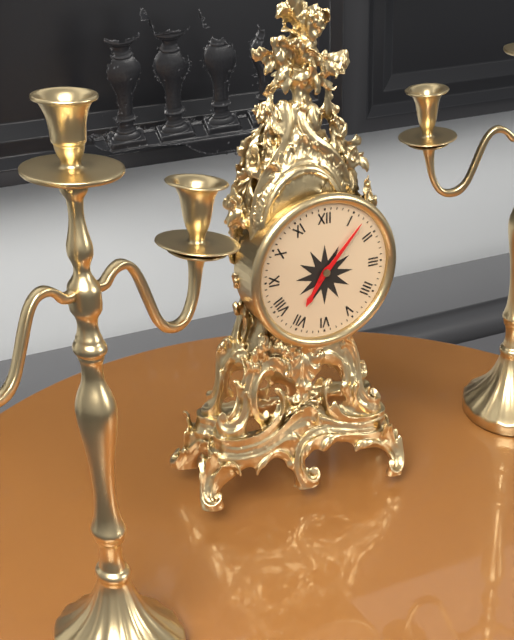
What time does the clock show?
7:07
